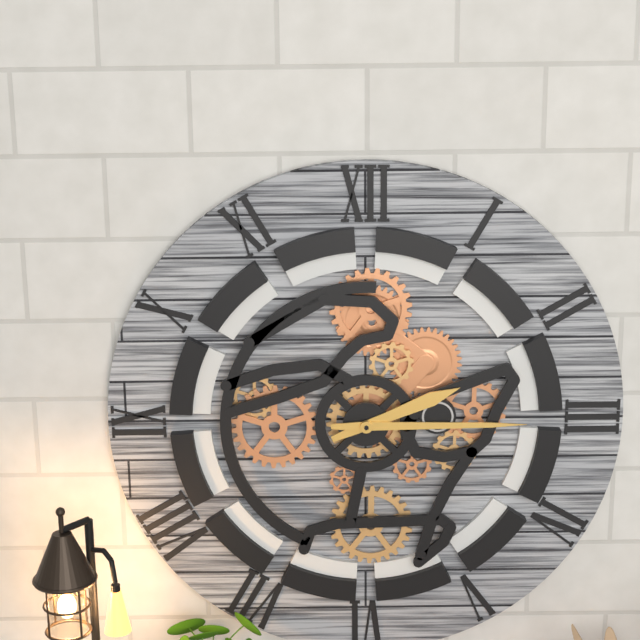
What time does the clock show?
2:15
